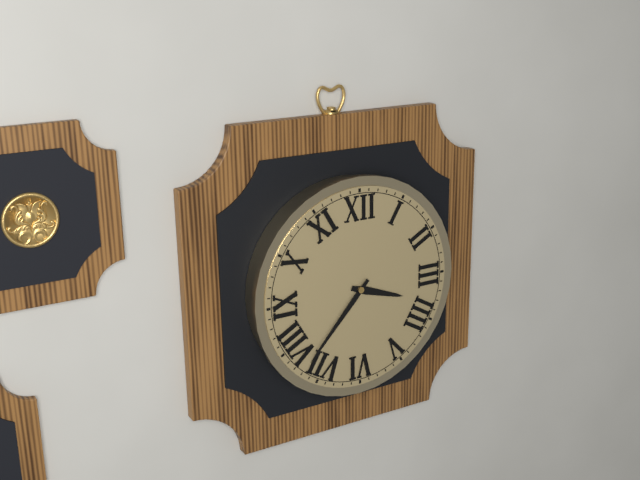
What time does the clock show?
3:37
